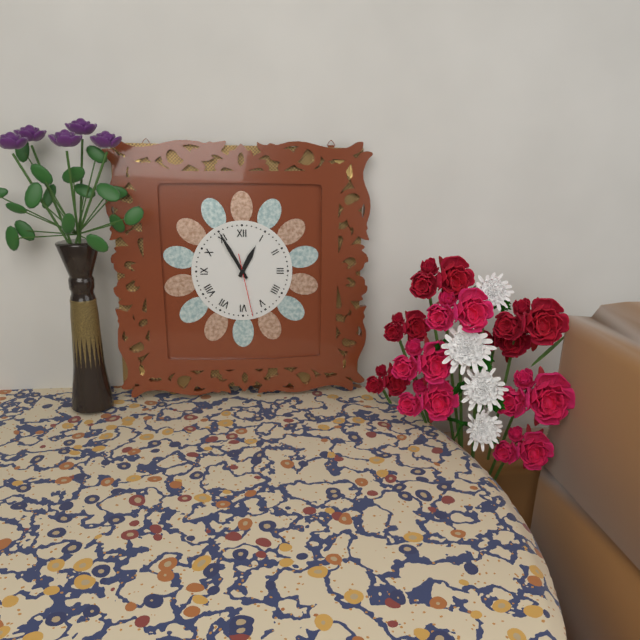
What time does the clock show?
12:55:28
